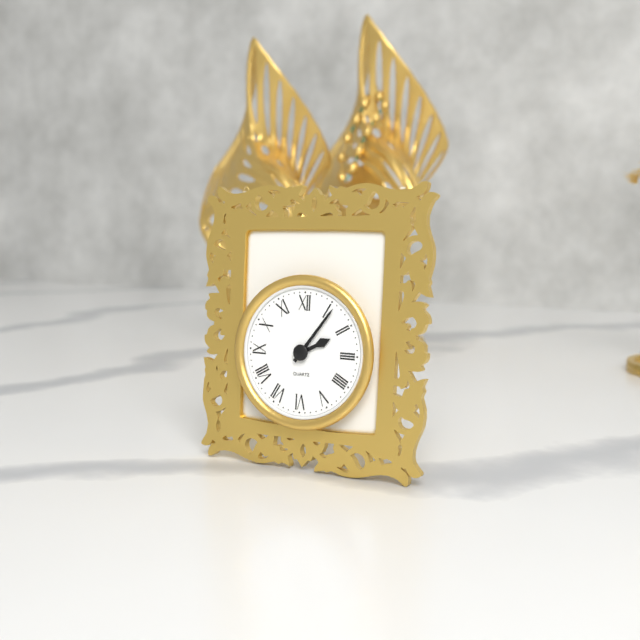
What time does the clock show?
2:06
